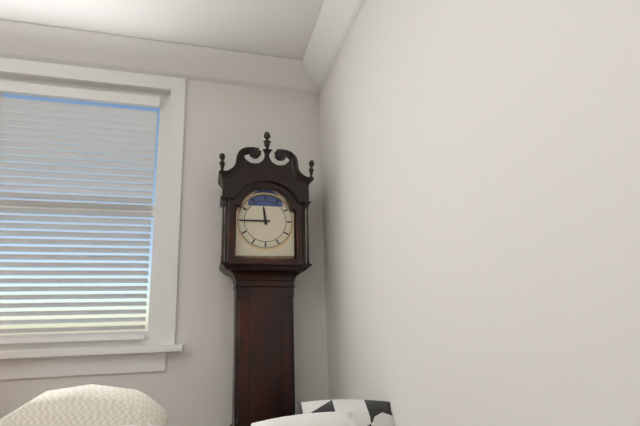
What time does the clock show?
11:45
